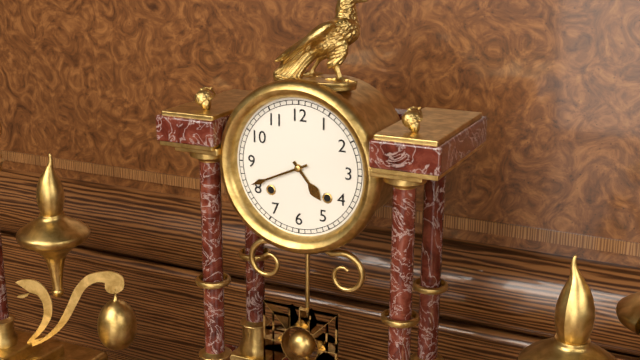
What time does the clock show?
4:41
